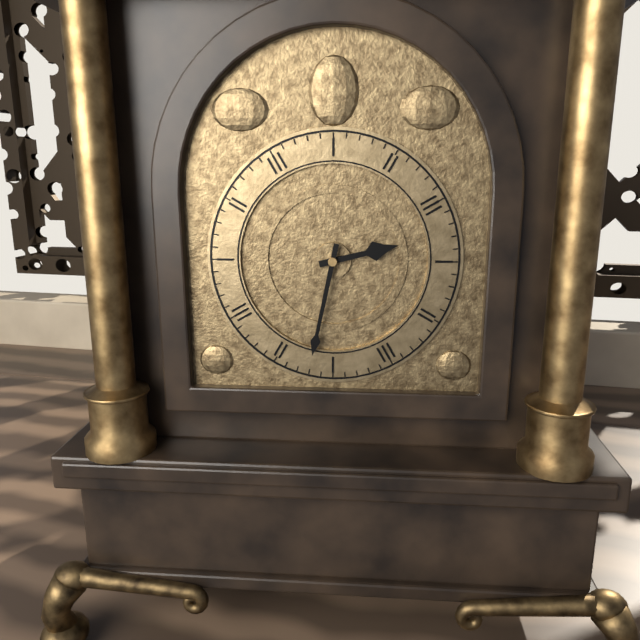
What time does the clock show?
2:32
